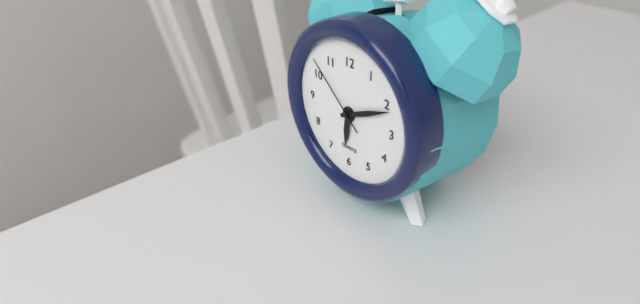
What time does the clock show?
6:11:52
